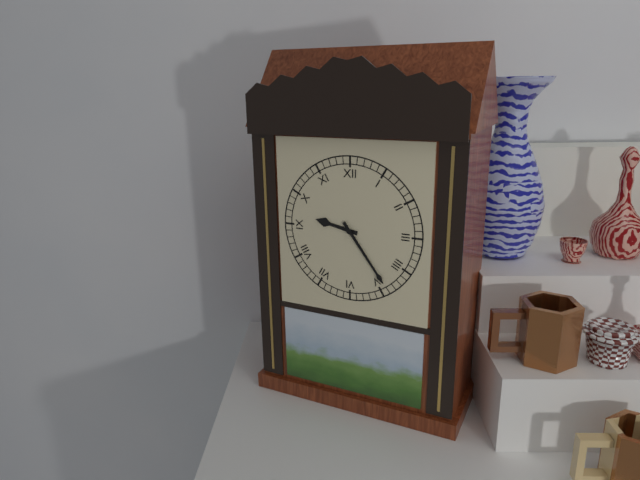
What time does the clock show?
9:24
